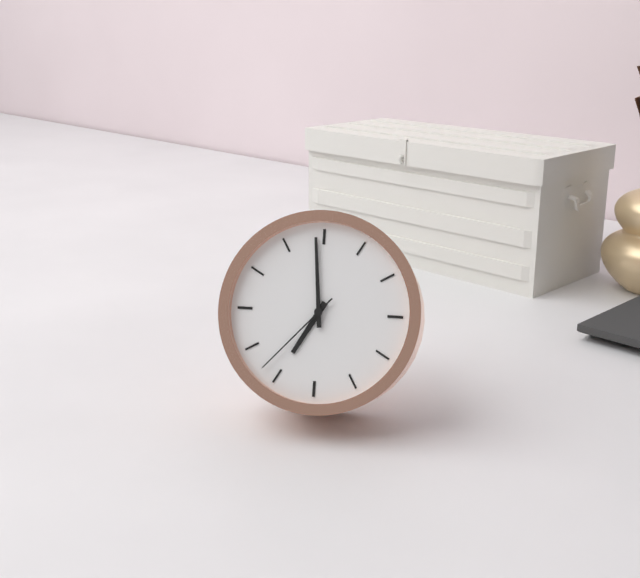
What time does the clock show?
6:59:37
